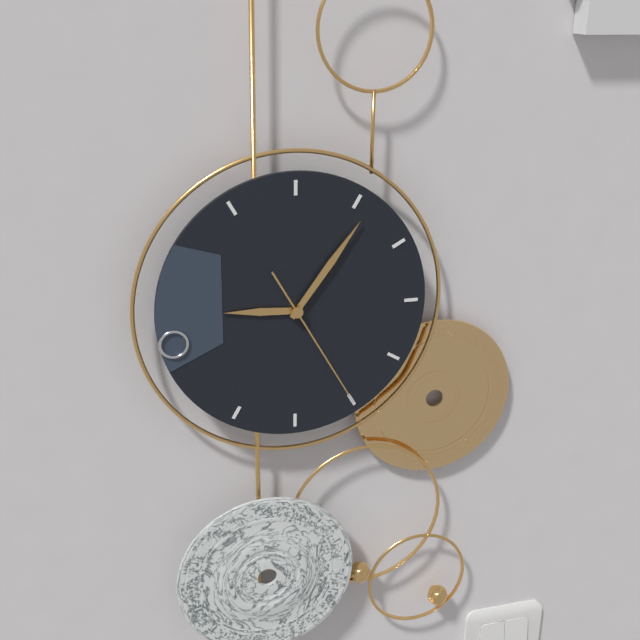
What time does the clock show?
9:06:25
